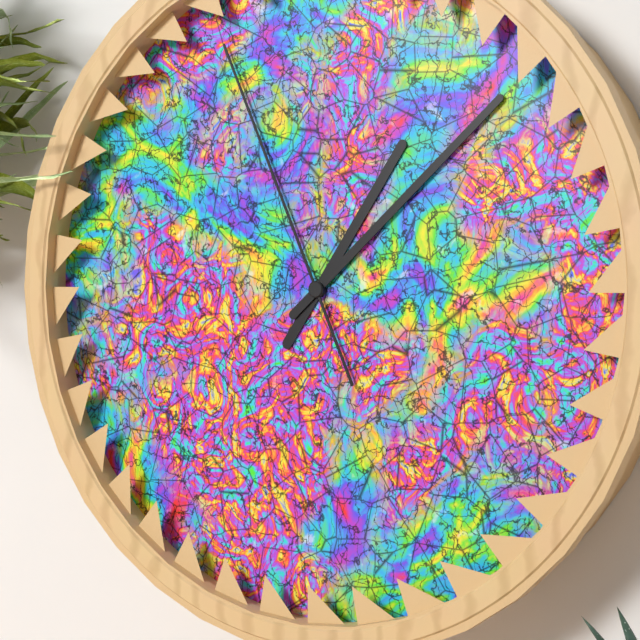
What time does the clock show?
1:08:56
